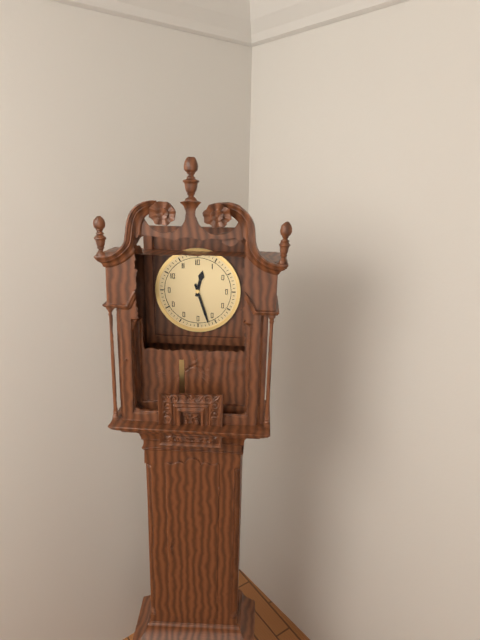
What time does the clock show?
12:27
